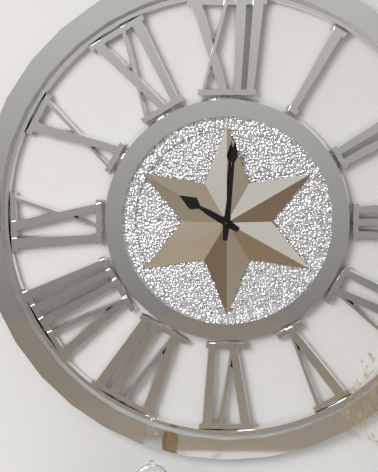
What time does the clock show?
10:01
